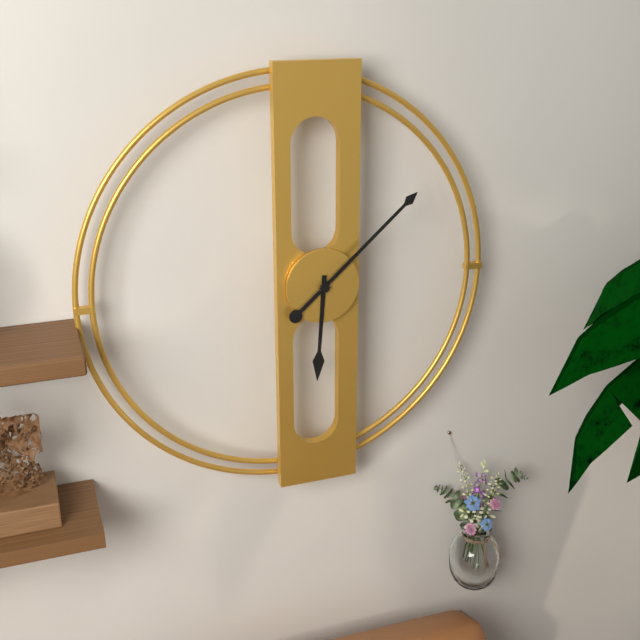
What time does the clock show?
6:08
